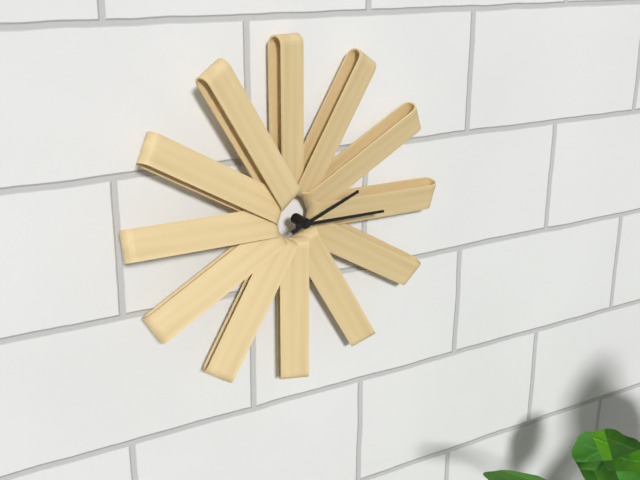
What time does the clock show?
2:15
